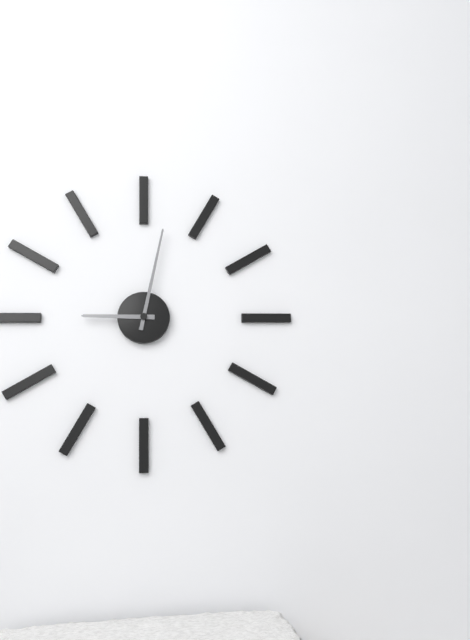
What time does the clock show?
9:02
